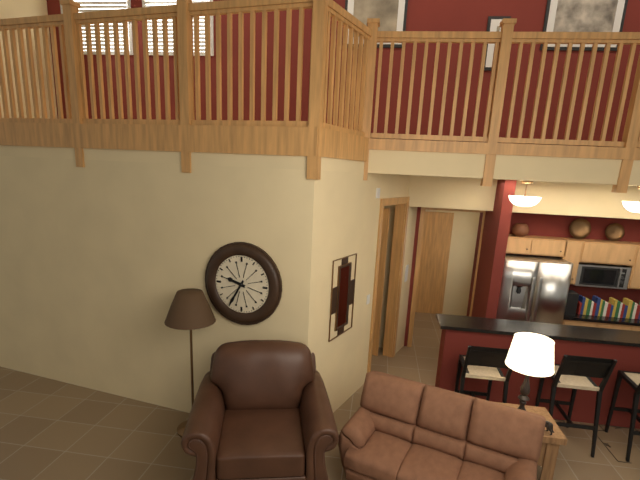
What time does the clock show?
9:35
